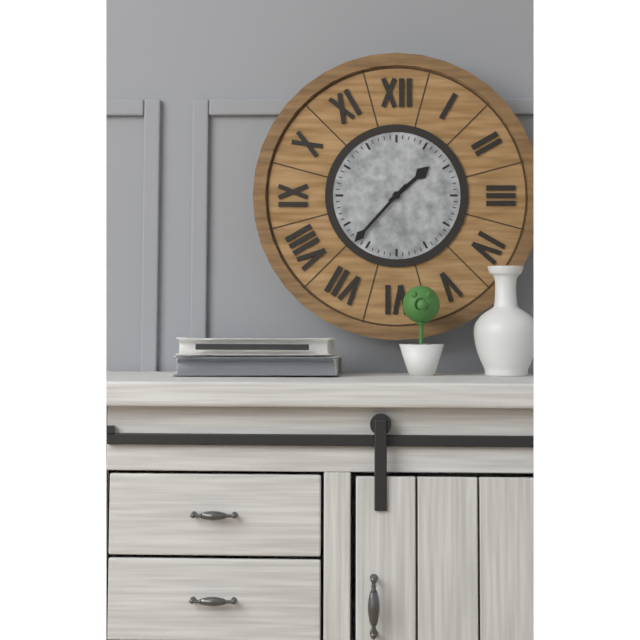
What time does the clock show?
1:37
